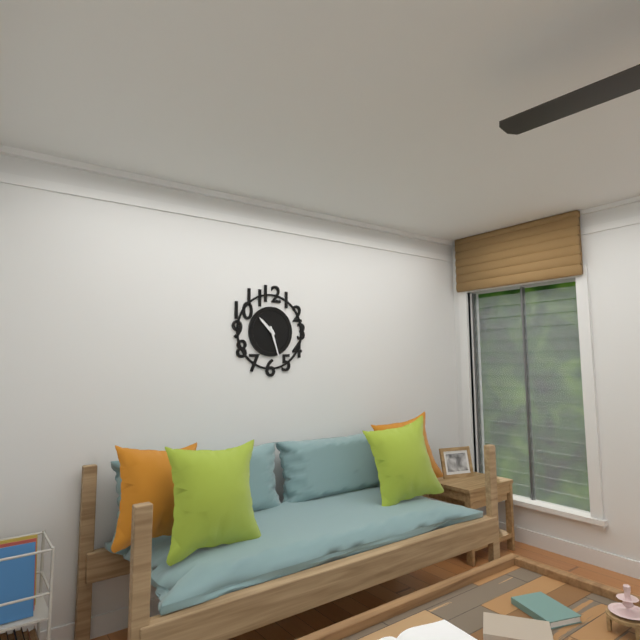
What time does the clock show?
10:27
